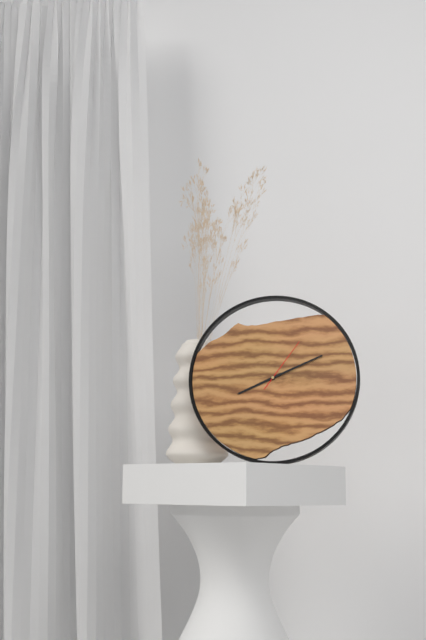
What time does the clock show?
8:11:06
